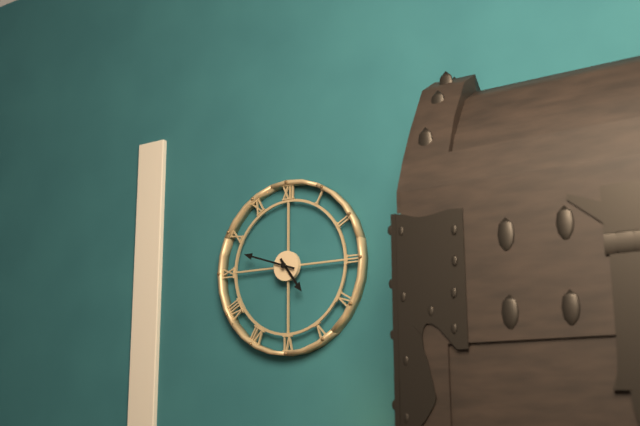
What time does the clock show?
4:48
